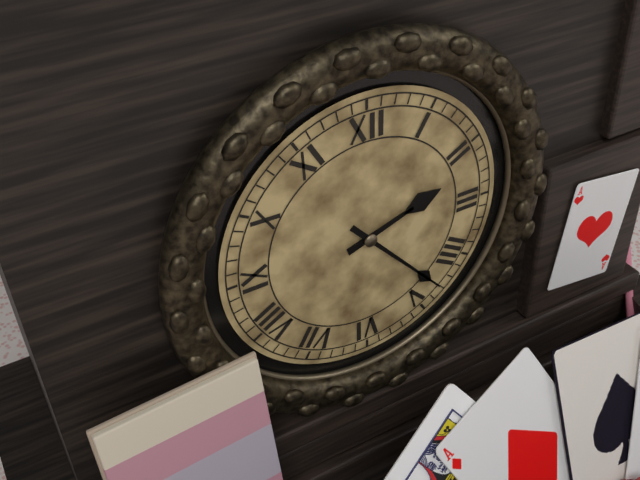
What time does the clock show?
2:23
